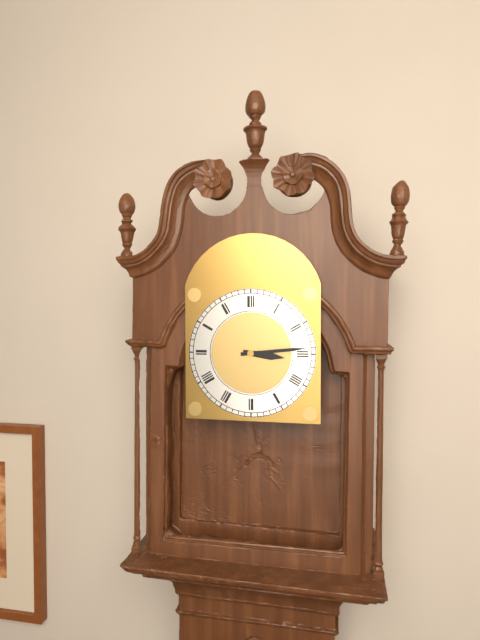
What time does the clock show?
3:14
